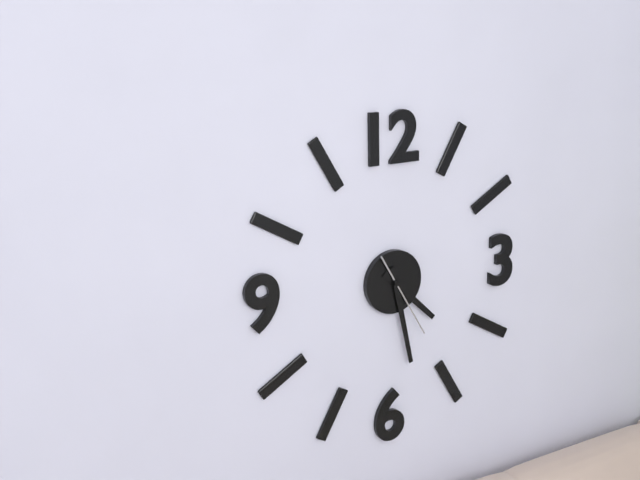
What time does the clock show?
4:28:25
